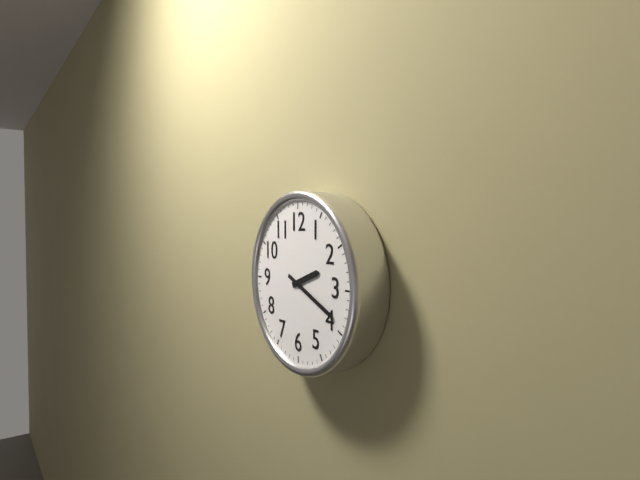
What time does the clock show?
2:19
